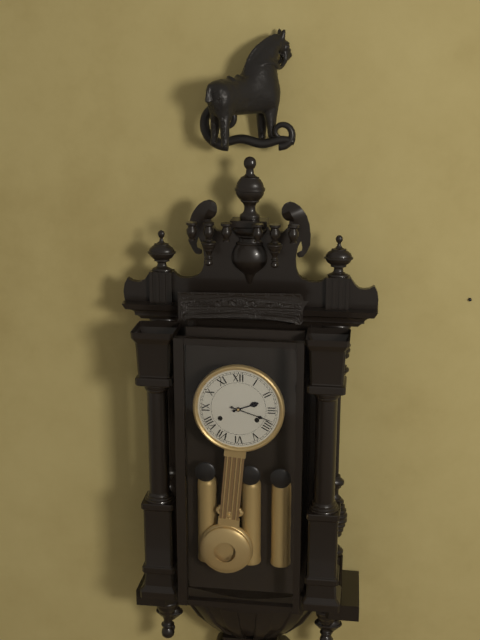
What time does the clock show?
2:18
